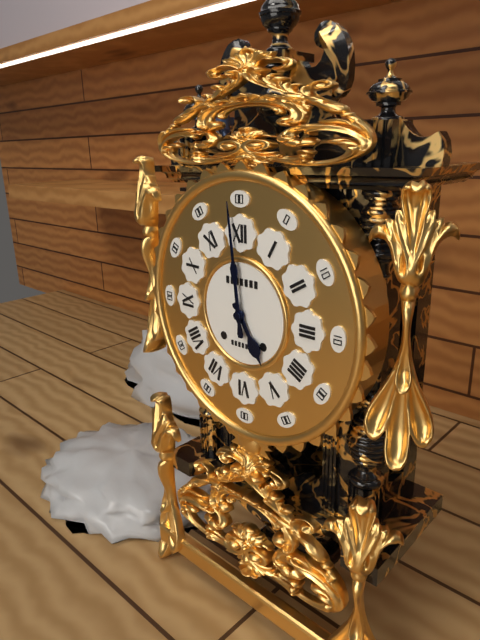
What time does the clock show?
4:59
